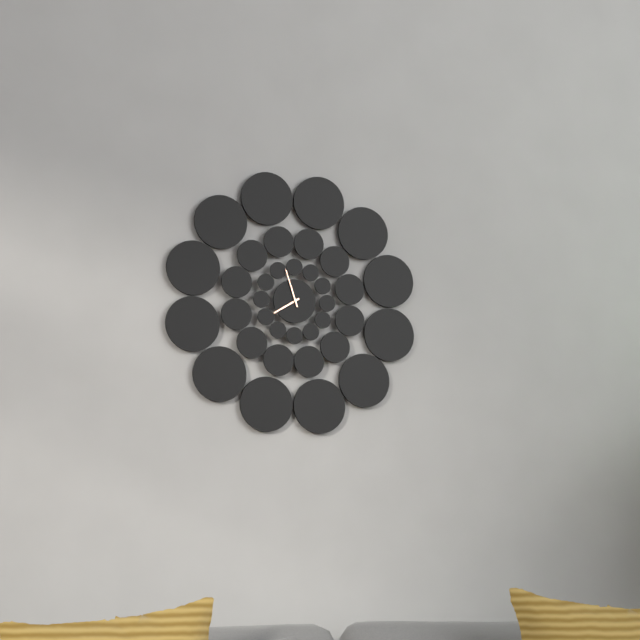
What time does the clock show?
7:57
